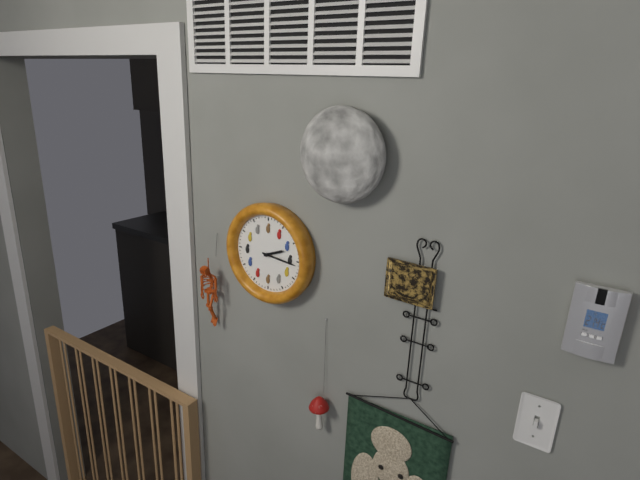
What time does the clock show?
2:16
